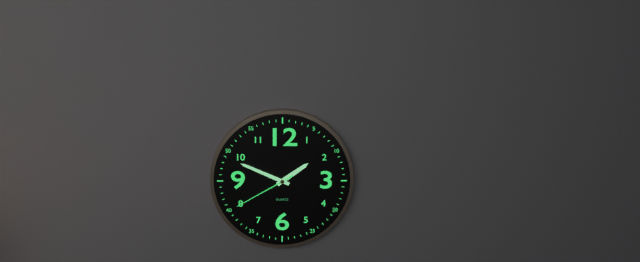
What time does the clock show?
1:49:40
